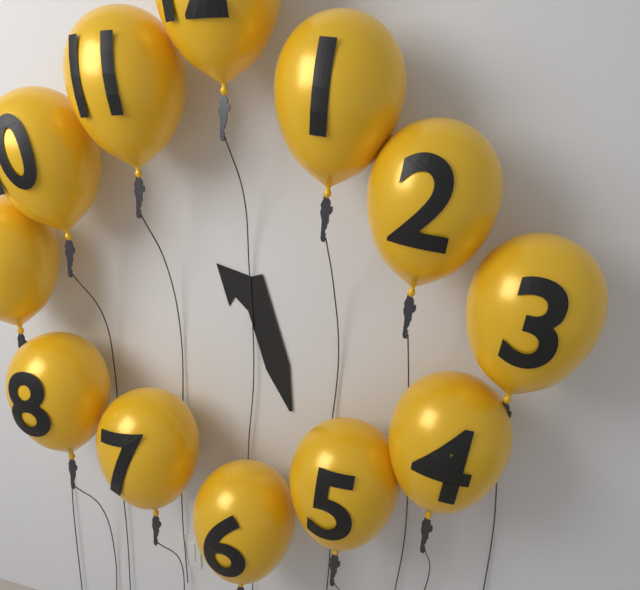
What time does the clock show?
10:27
